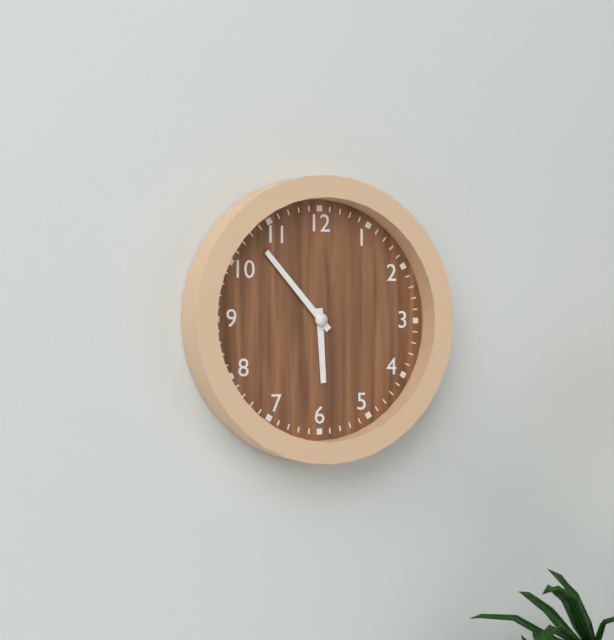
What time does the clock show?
5:53
